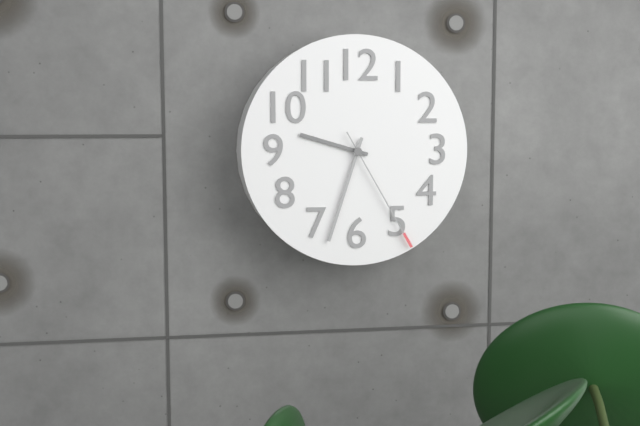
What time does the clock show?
9:33:25
